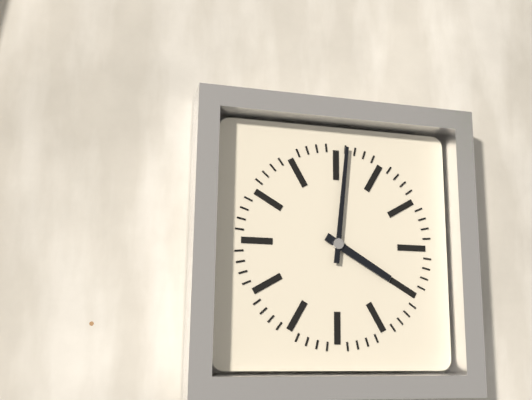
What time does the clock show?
4:01
